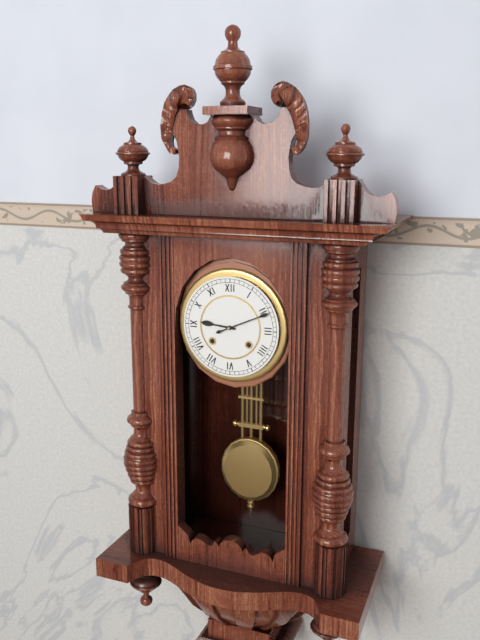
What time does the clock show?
9:11
